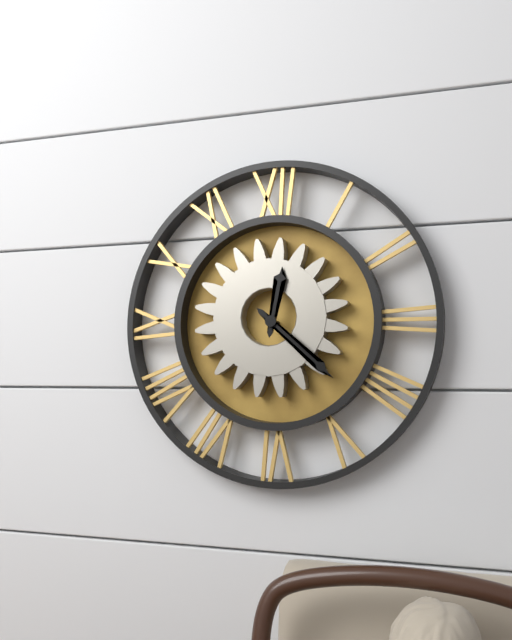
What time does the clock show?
12:22
